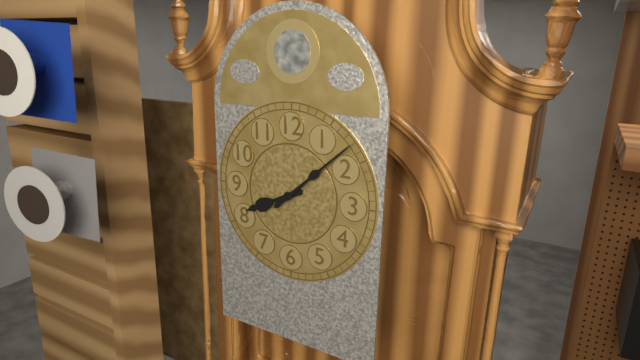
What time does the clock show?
8:08
